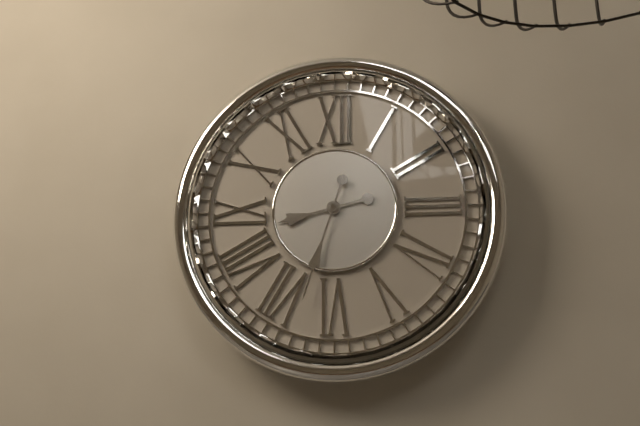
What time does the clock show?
8:33
